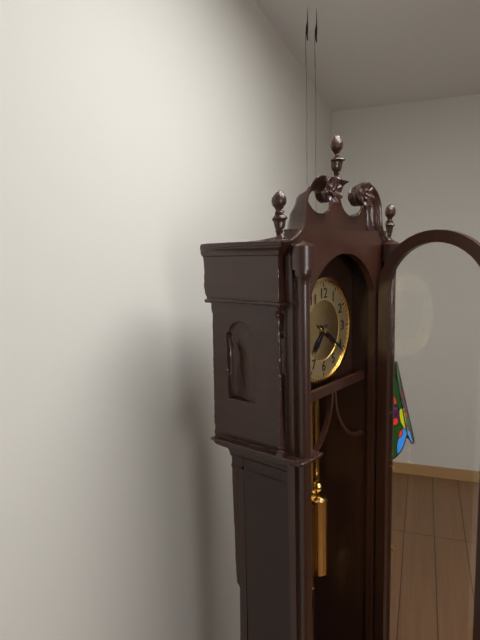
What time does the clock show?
7:21
